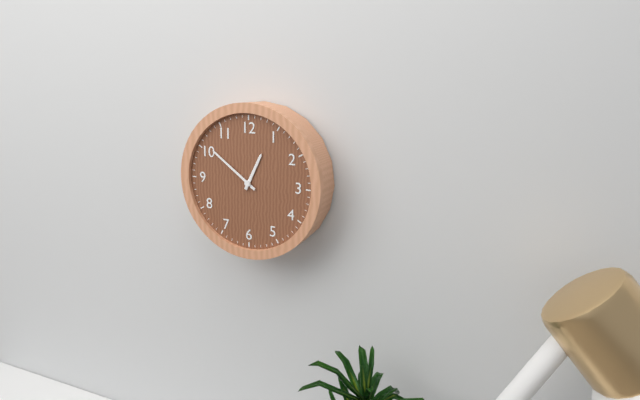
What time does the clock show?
12:51
